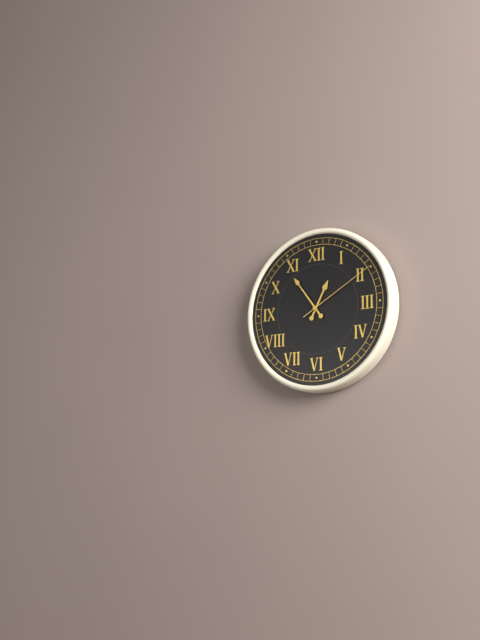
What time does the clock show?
12:54:10
